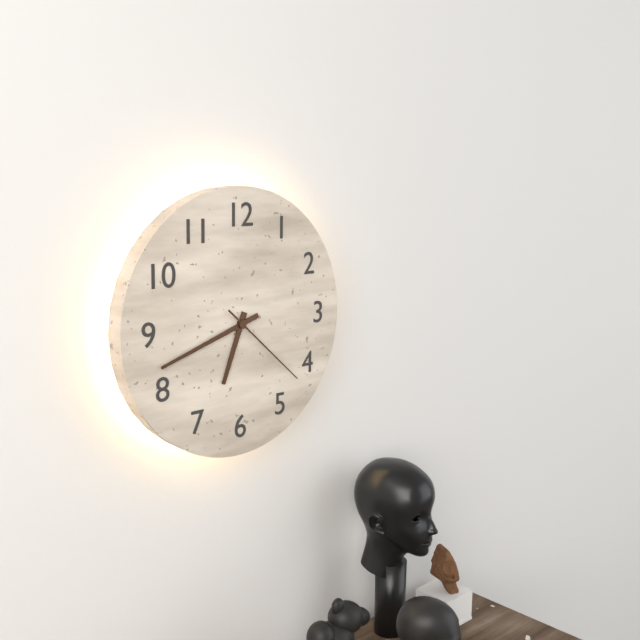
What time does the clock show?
6:42:22
